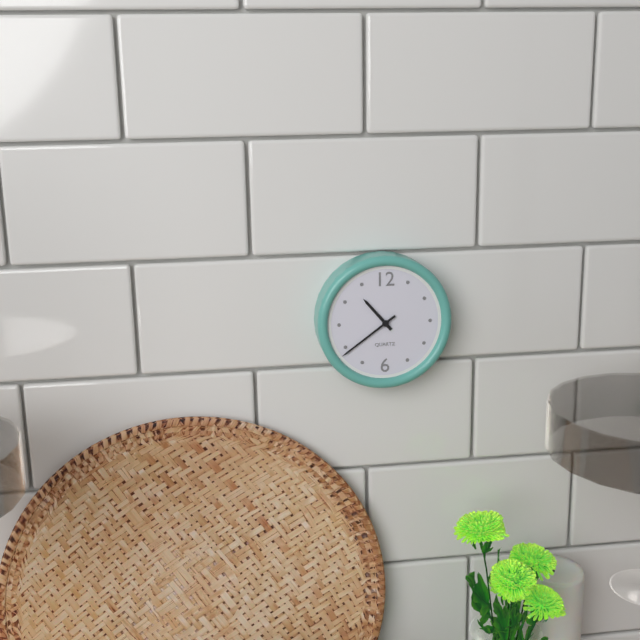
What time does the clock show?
10:39
